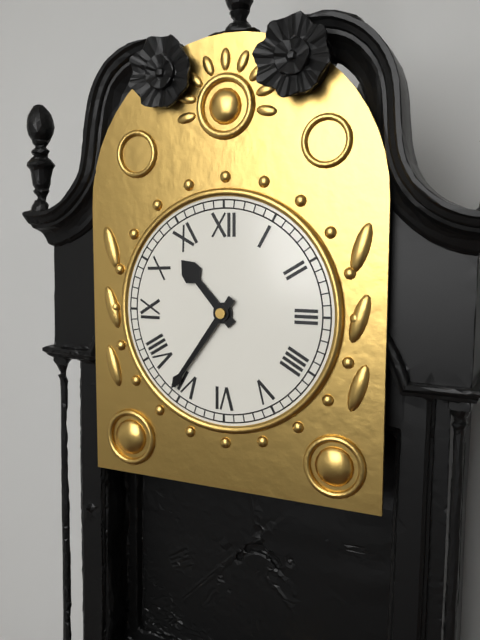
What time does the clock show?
10:36
